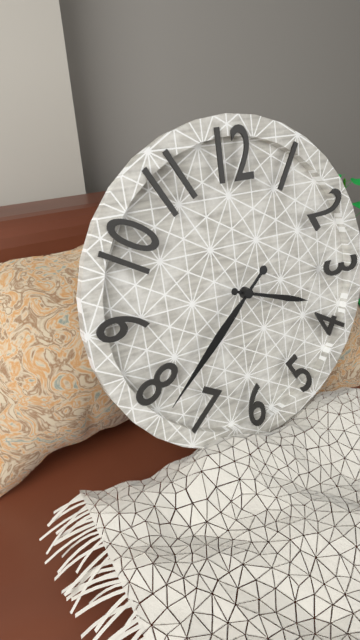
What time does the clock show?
3:38
